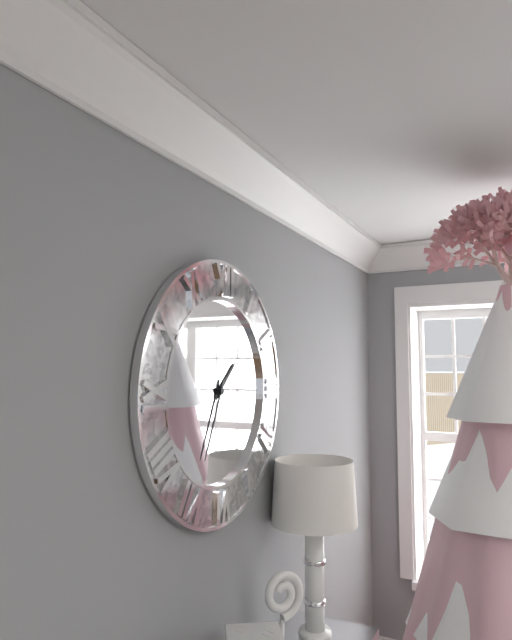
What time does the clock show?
1:34
